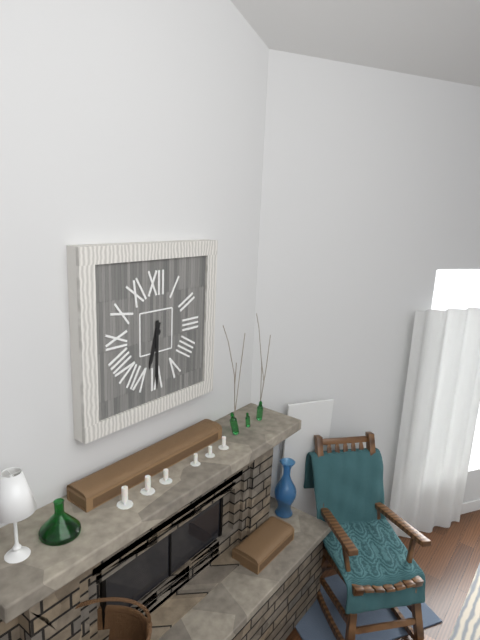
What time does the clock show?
6:30
